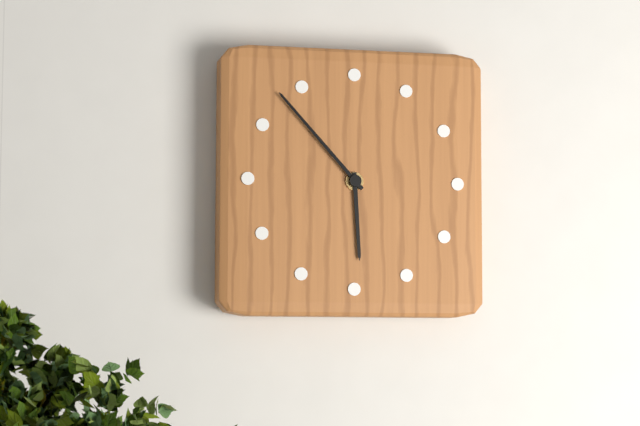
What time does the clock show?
5:53
